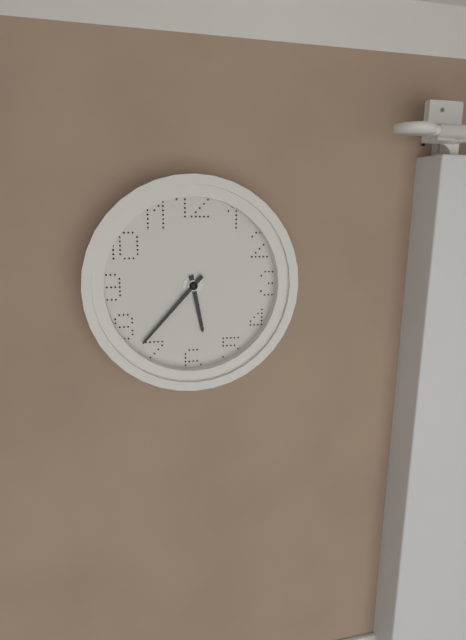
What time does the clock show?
5:37
